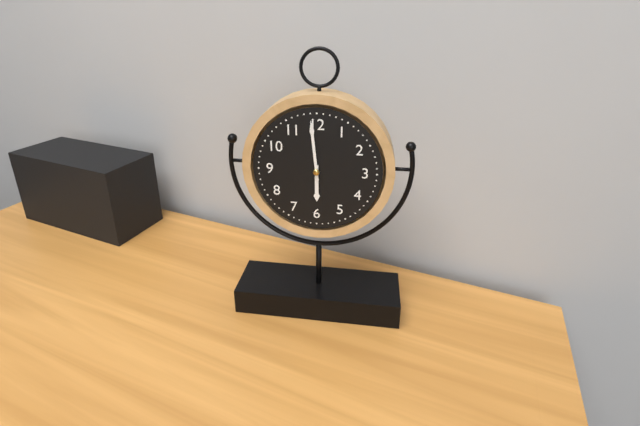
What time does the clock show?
5:59
